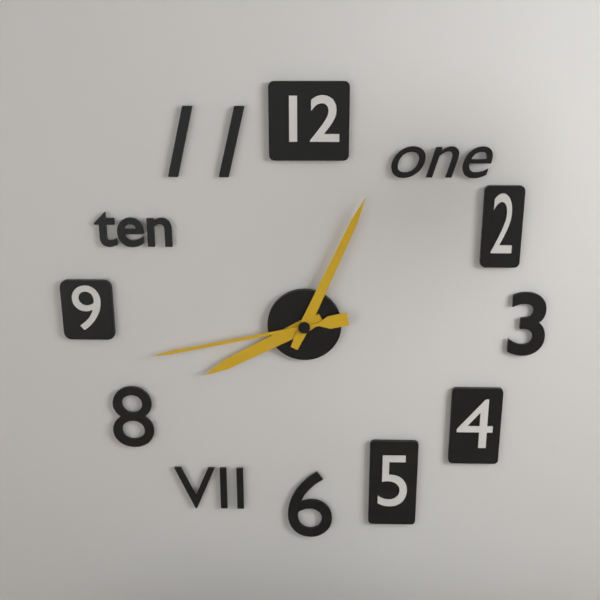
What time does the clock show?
8:04:43
